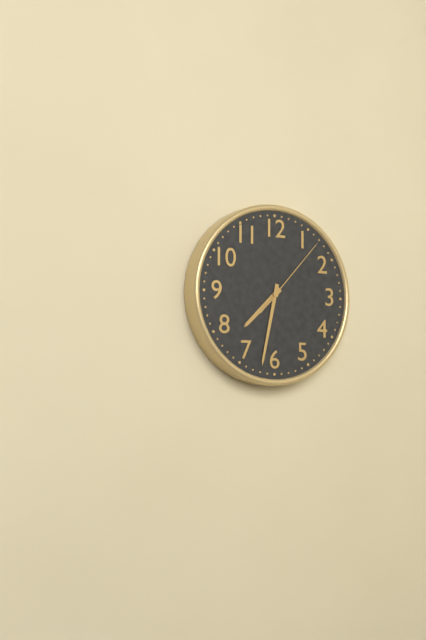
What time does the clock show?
7:32:07
